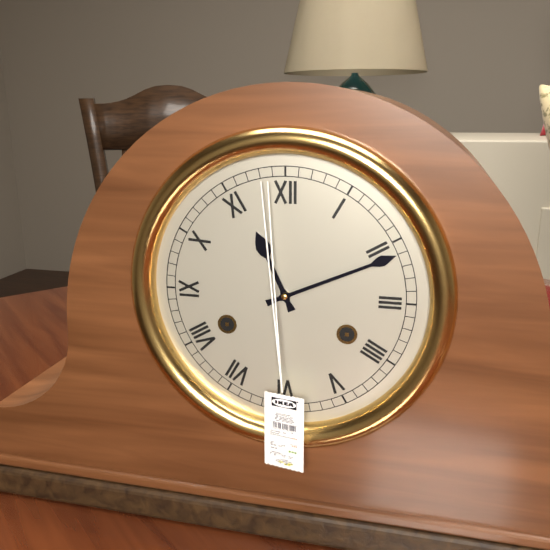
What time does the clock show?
11:11
